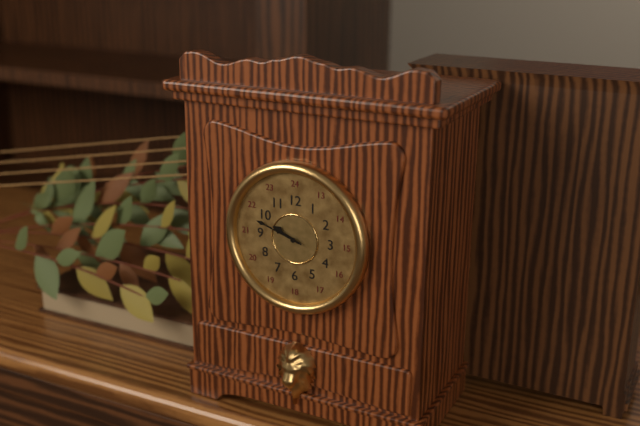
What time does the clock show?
9:48
